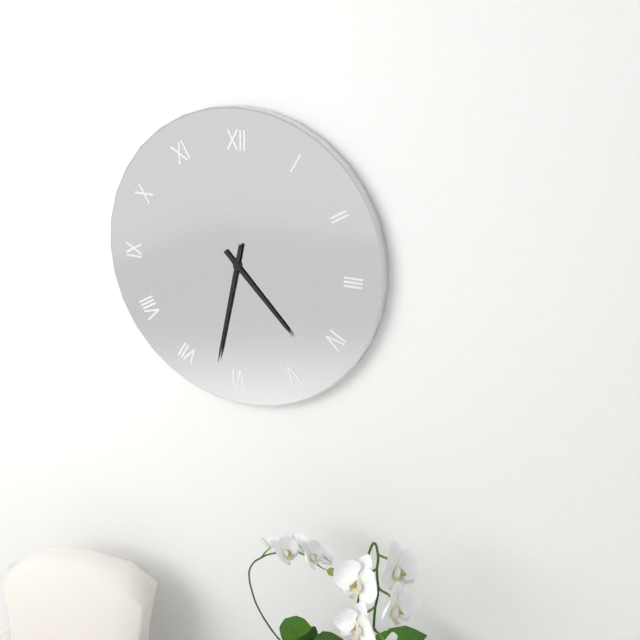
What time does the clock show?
4:32
